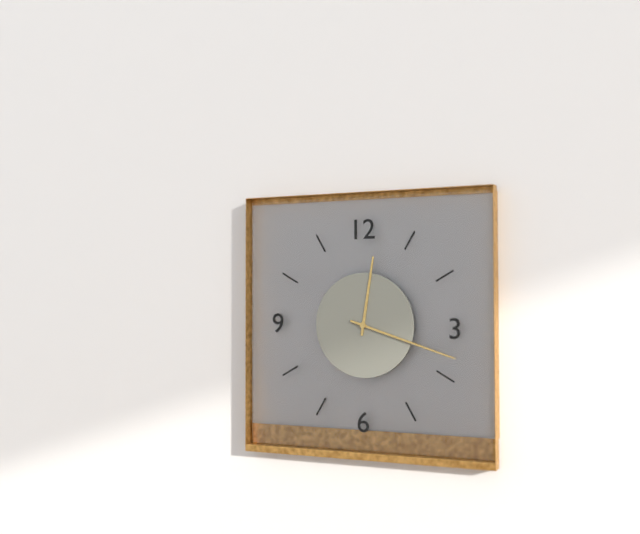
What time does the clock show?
12:18
